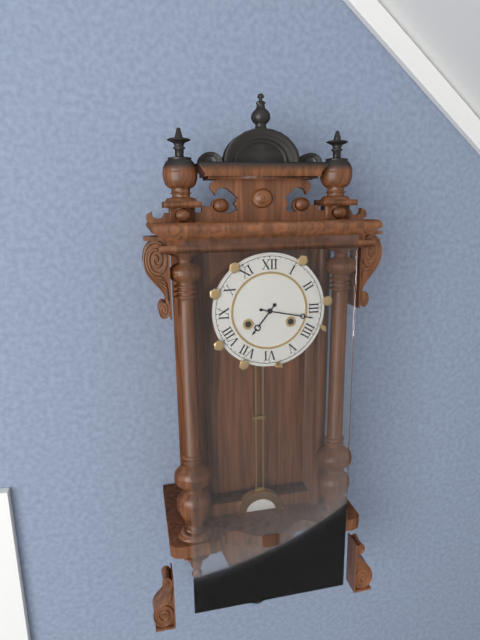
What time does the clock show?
7:17
